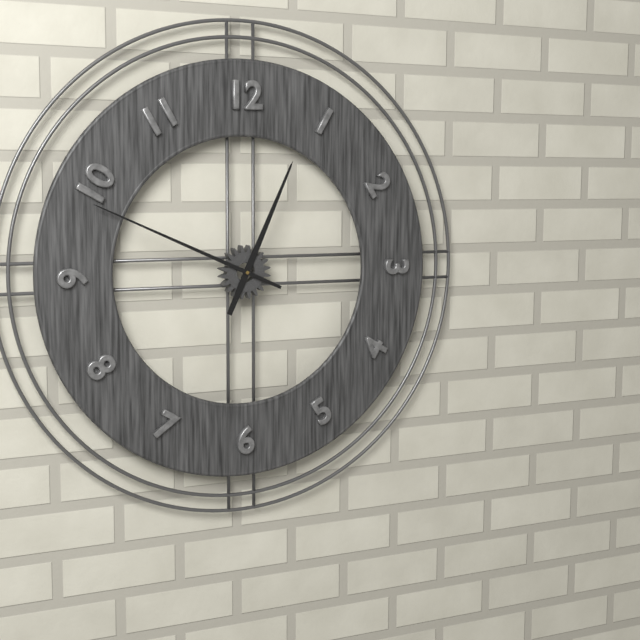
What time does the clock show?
12:49
